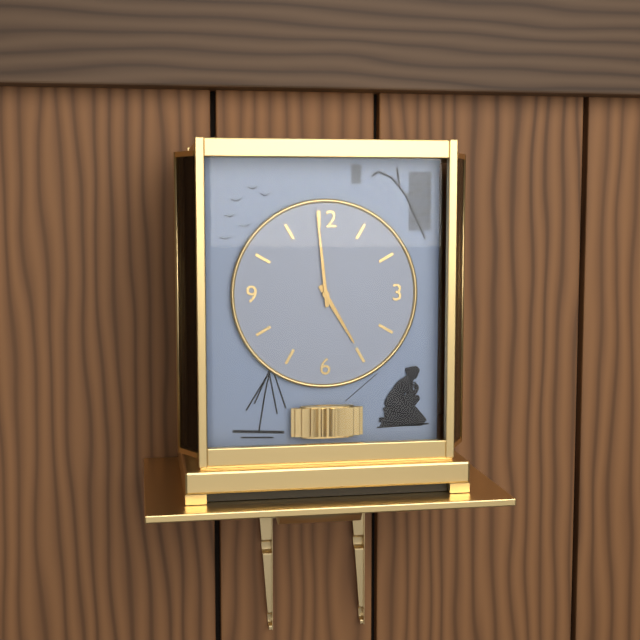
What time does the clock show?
4:59
